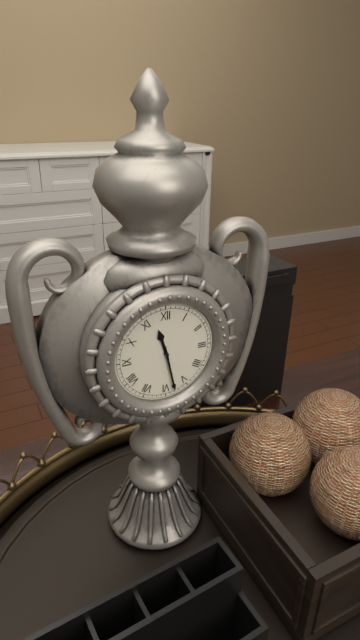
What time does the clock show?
11:28
